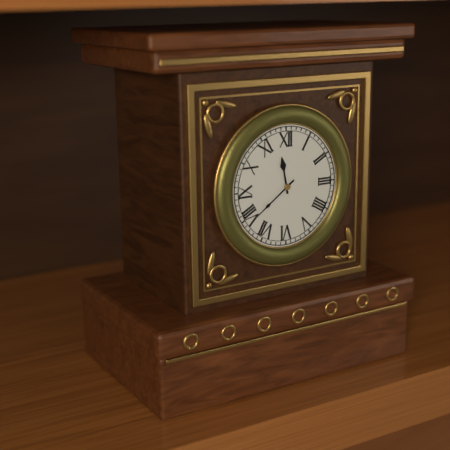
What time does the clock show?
11:39
